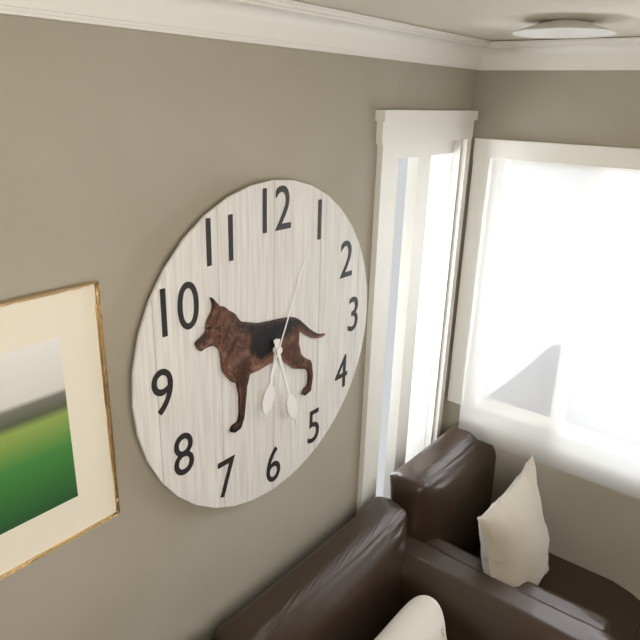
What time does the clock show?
6:27:04
